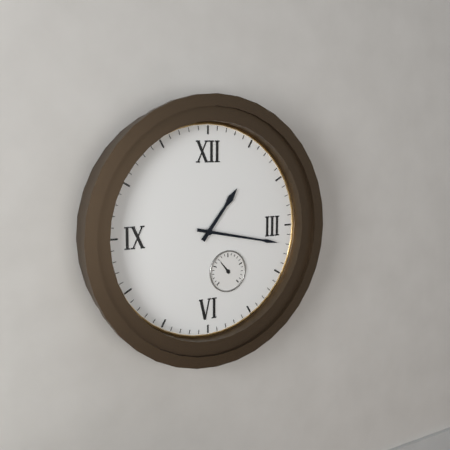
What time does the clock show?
1:17
